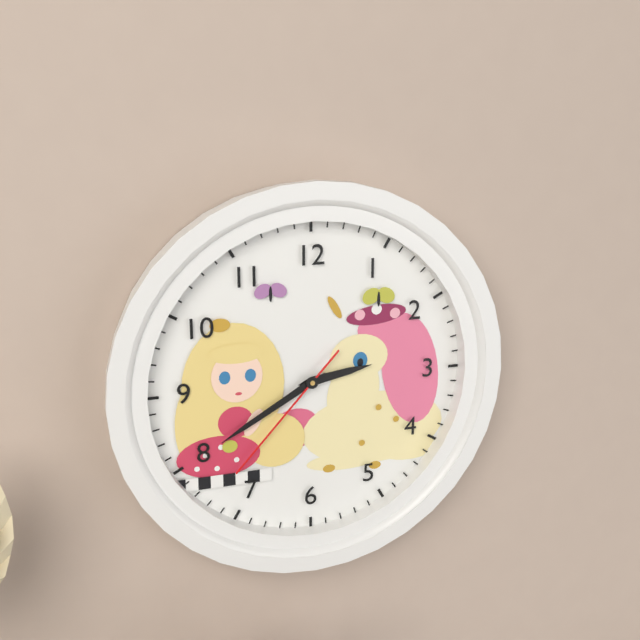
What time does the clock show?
2:40:37
